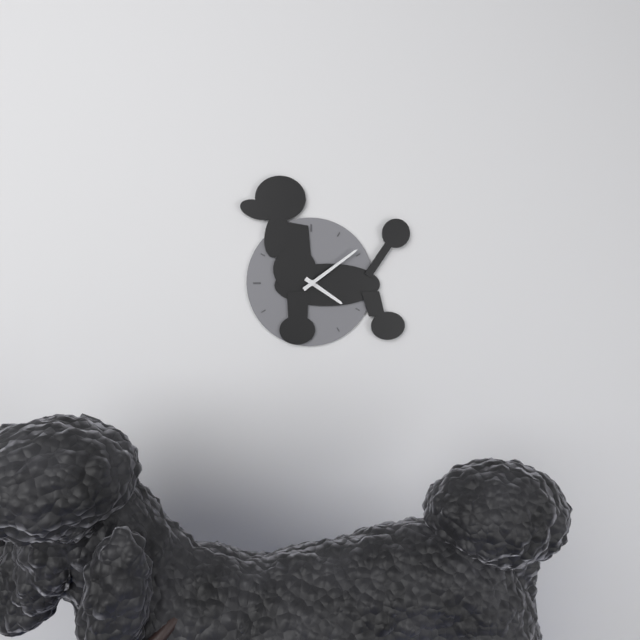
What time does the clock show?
4:09
